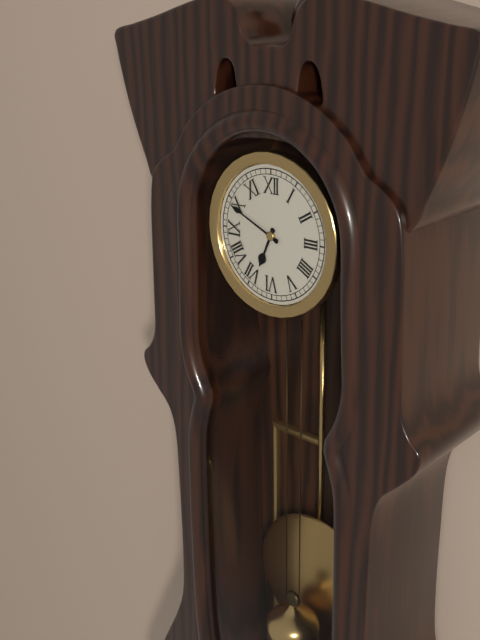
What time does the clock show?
6:49
